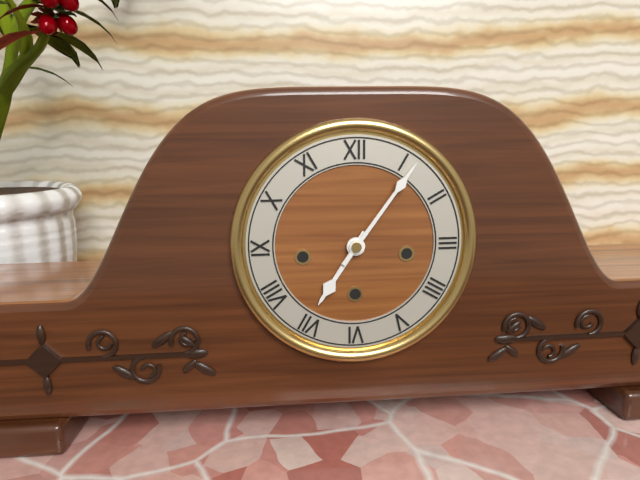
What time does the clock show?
7:06
